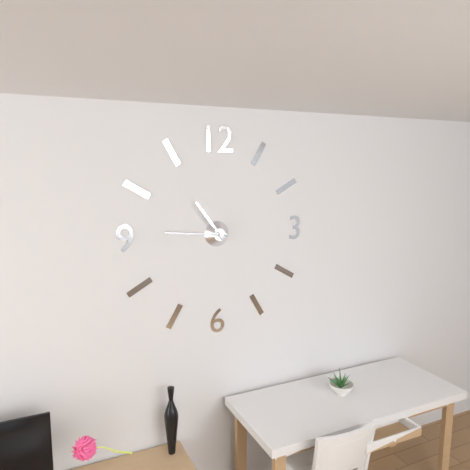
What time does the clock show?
10:46
